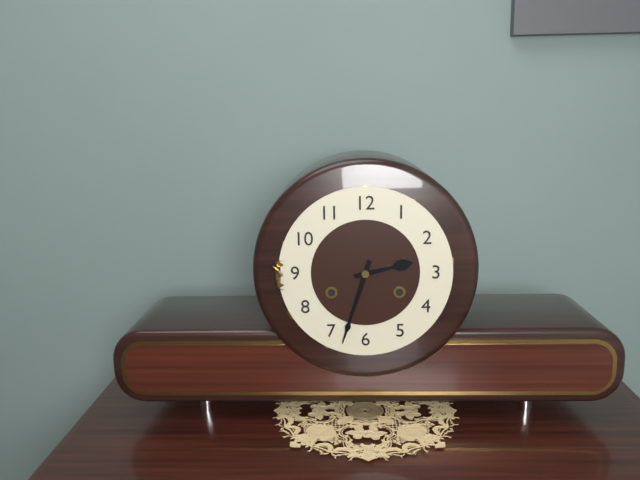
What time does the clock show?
2:33
